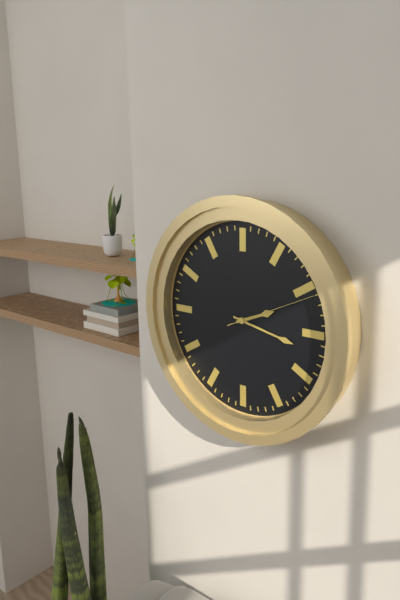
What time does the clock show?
2:17:11
